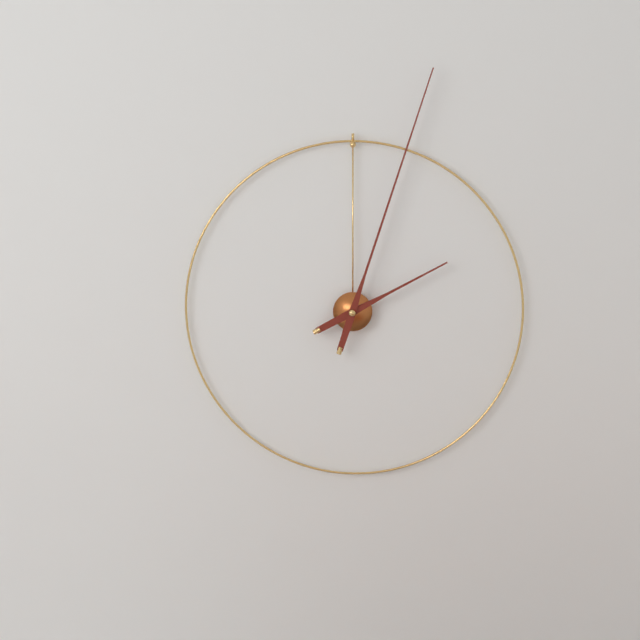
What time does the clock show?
2:03
